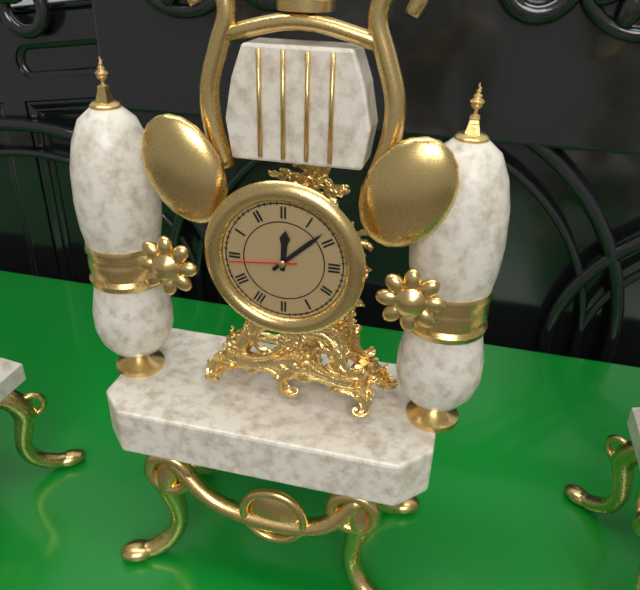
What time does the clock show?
12:08:44
